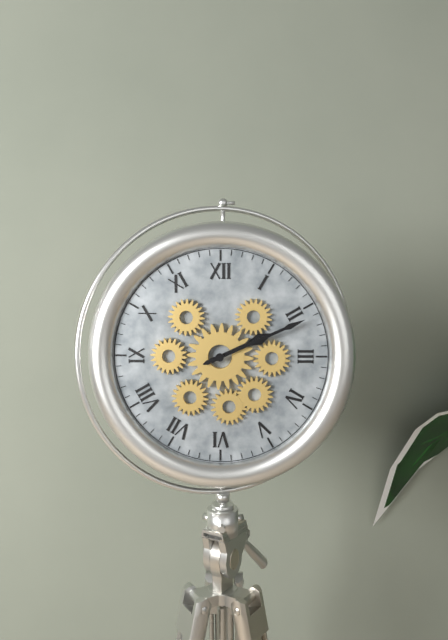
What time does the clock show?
2:11
